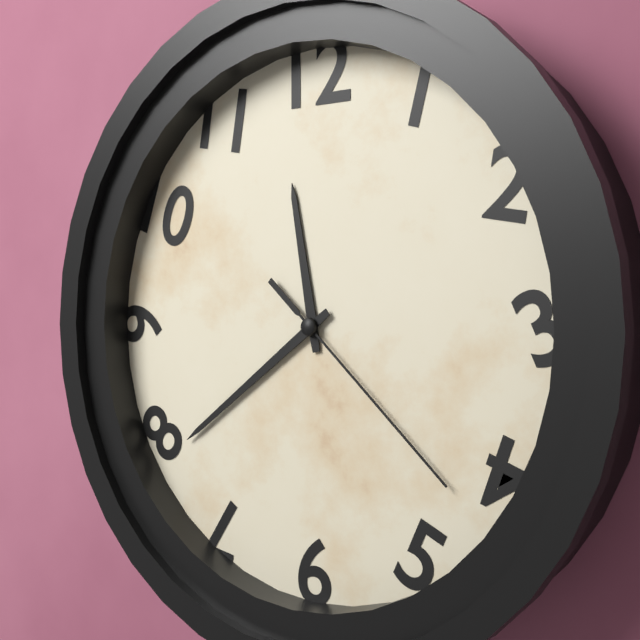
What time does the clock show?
11:39:22
